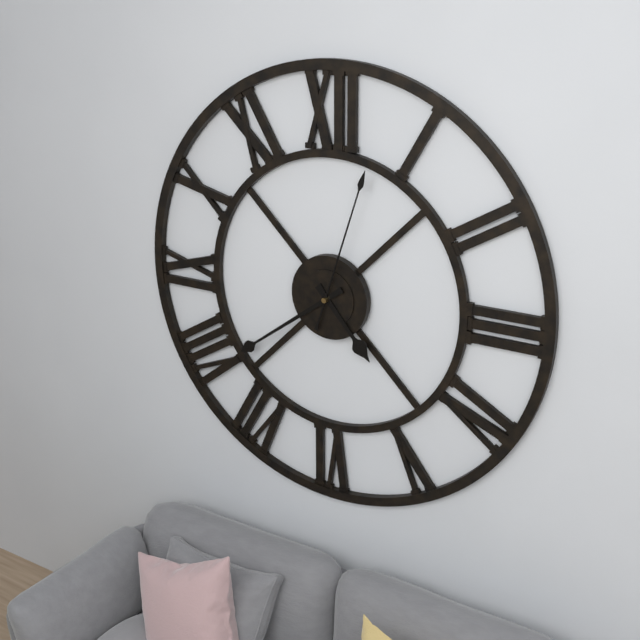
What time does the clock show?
4:39:03
